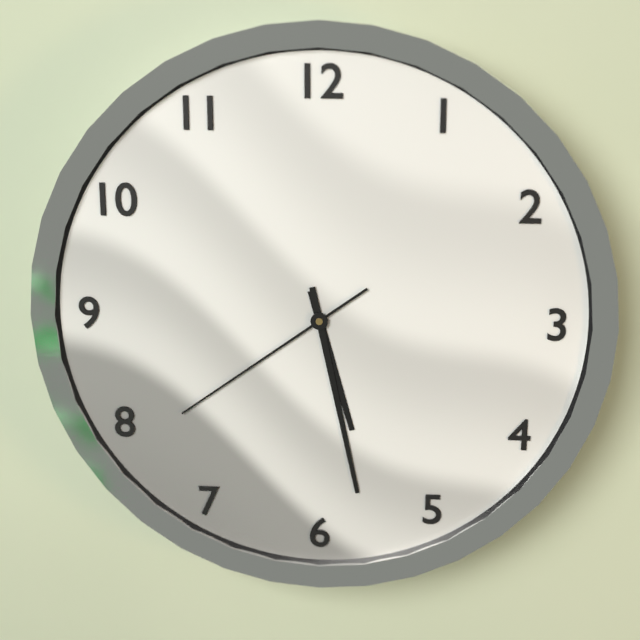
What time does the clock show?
5:28:39
